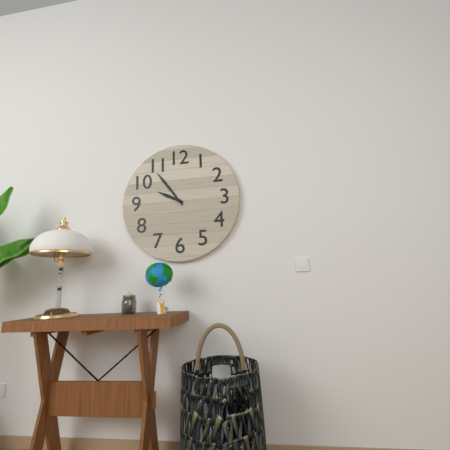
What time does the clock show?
9:54
